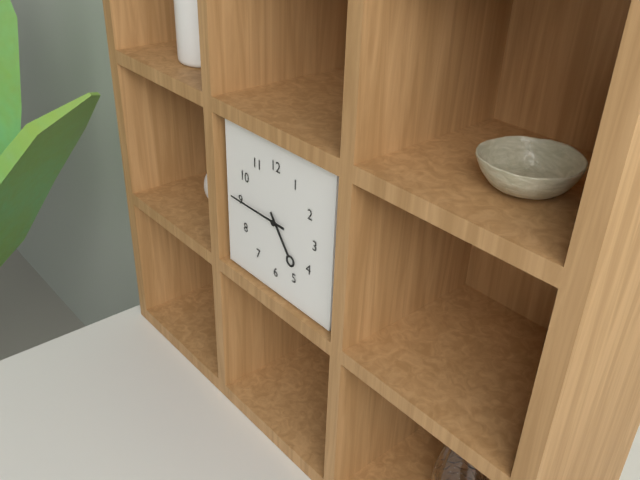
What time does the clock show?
4:45
